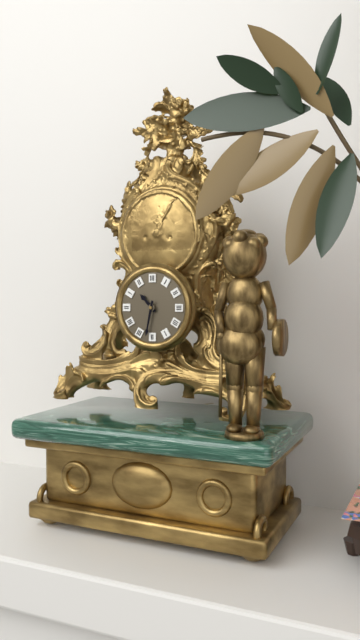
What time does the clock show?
10:32
